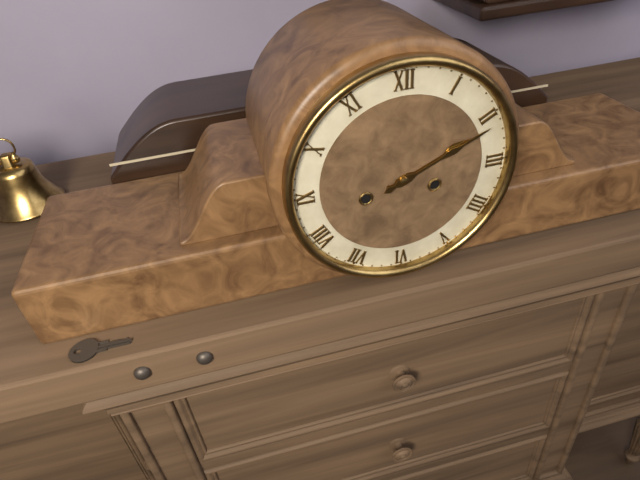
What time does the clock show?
2:11
